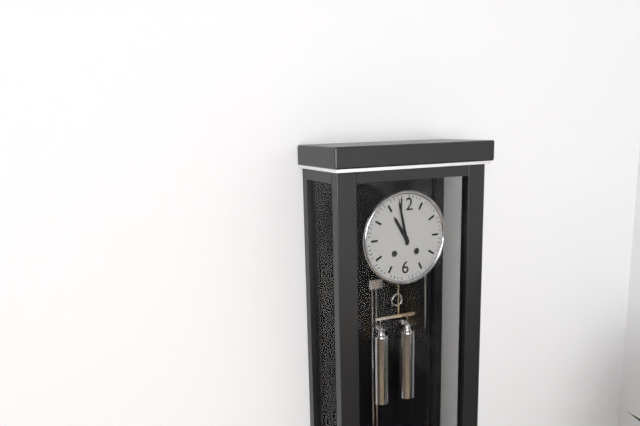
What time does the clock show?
10:58
